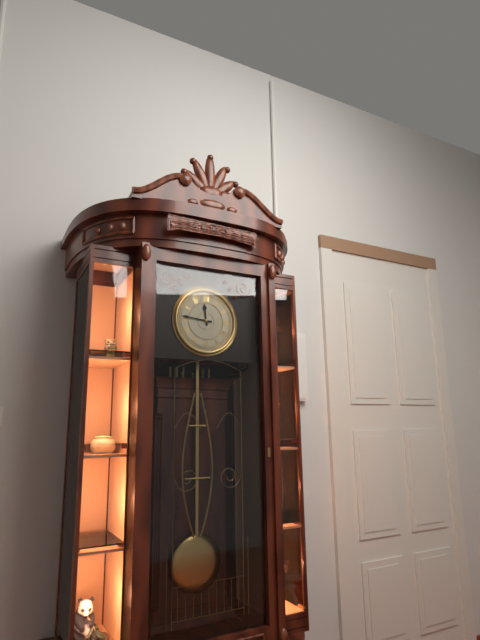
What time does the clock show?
11:46
